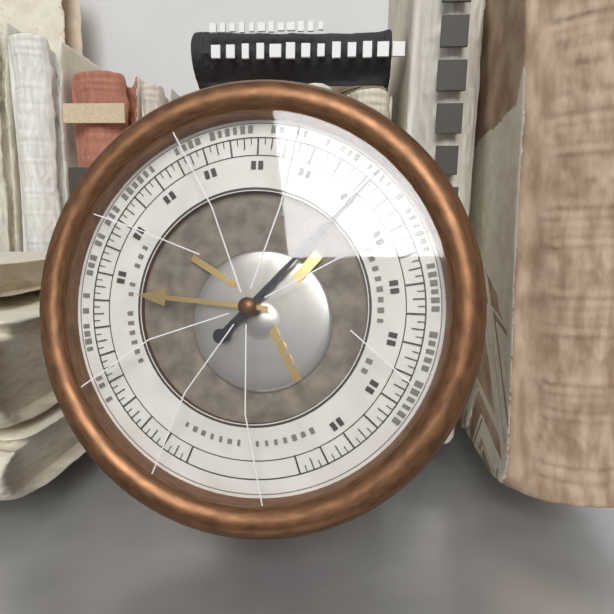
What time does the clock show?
9:07
